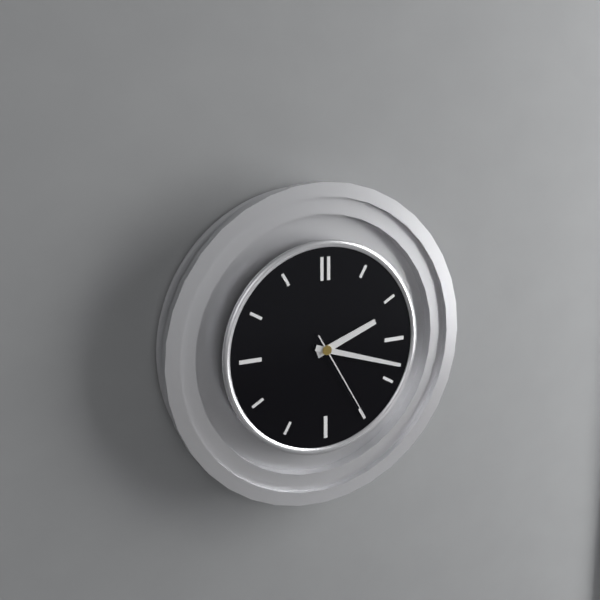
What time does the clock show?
2:18:25
